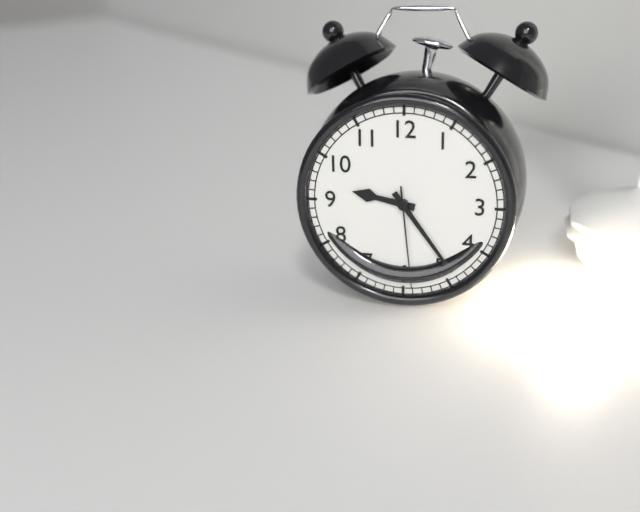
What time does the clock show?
9:24:29
